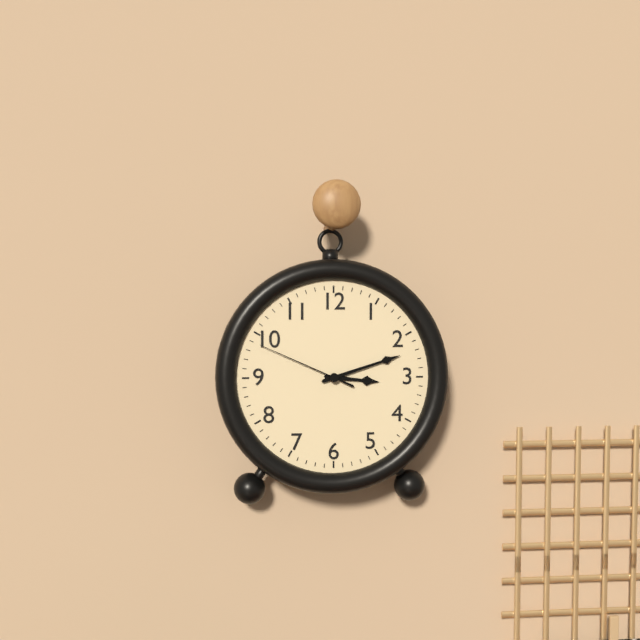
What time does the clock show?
3:12:49
